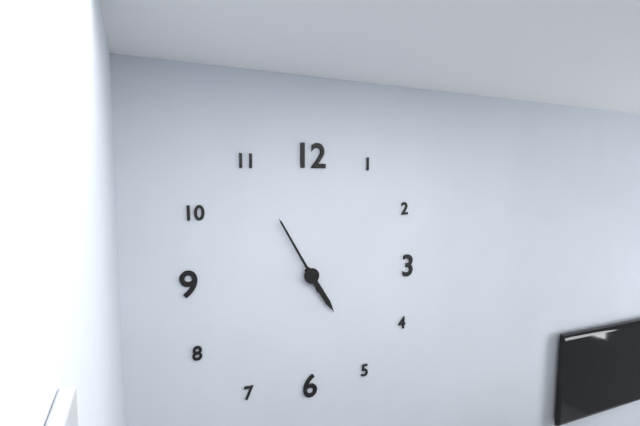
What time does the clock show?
4:55
